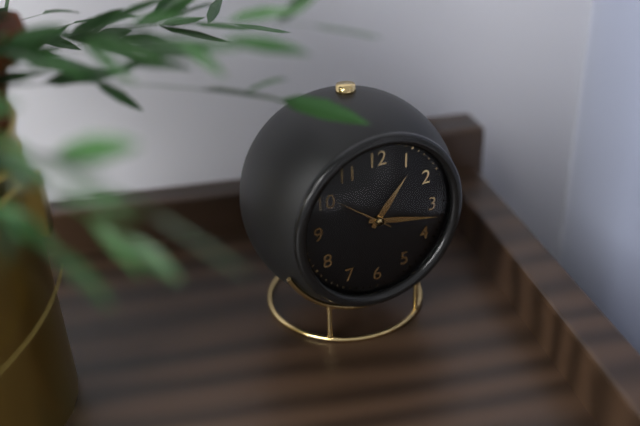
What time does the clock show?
1:17:51
